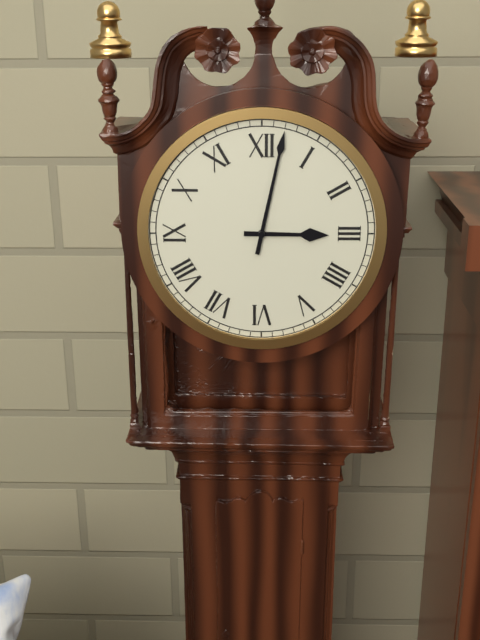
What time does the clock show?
3:02
